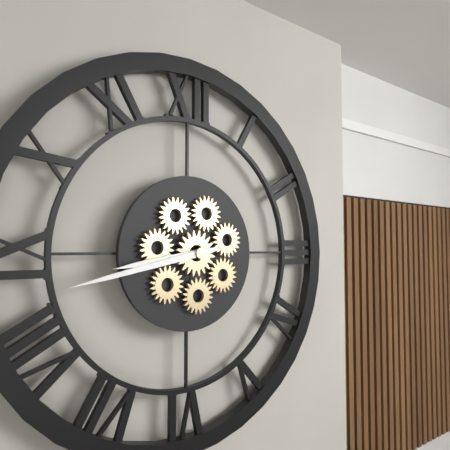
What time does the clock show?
8:43
